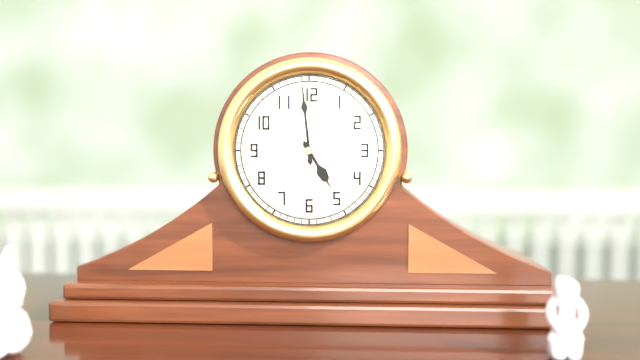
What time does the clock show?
4:59
